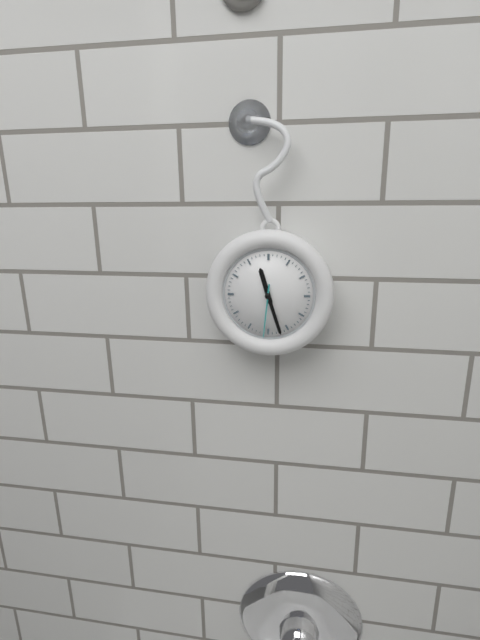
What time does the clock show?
11:27:31
